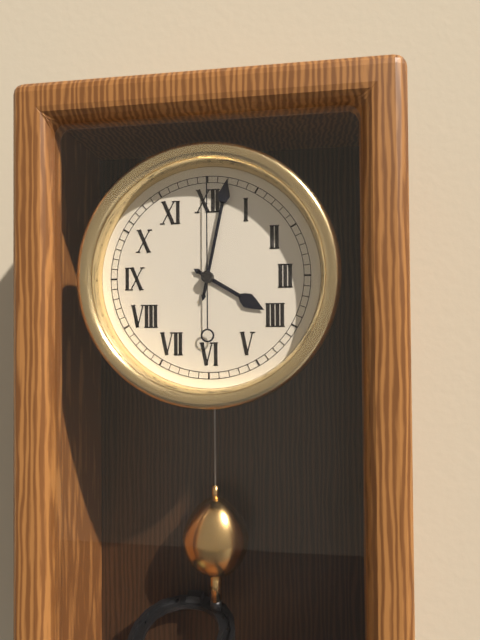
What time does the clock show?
4:02:00
